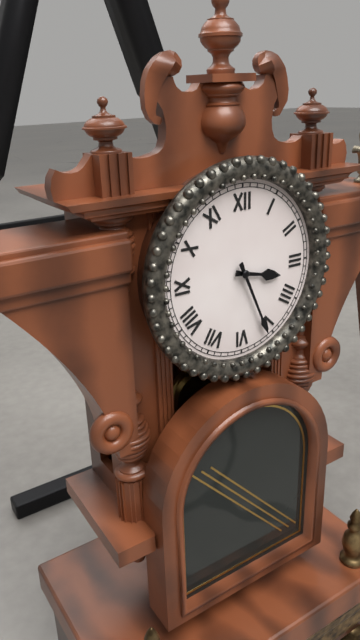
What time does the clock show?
3:26
